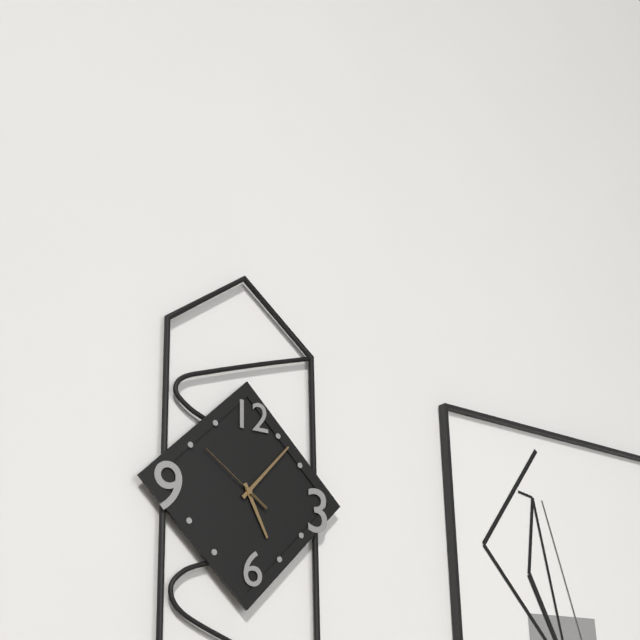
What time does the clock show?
5:07:51
